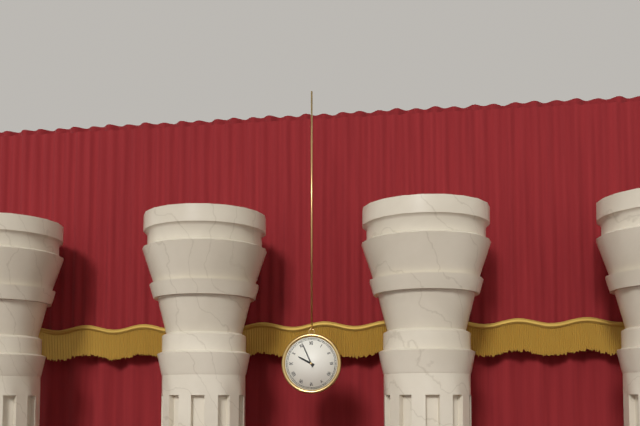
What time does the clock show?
9:56
